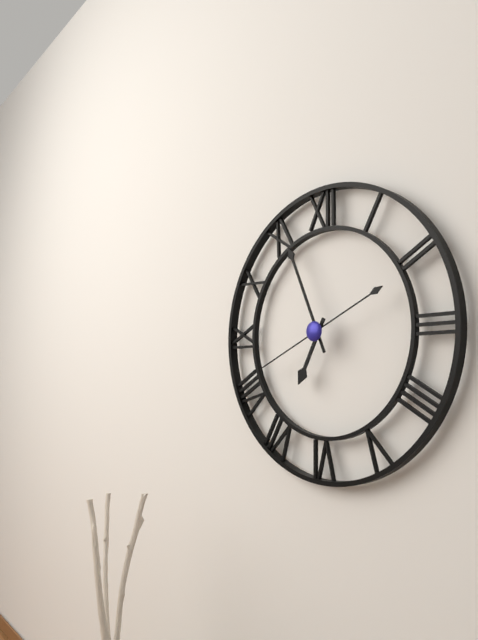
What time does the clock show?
6:56:41
